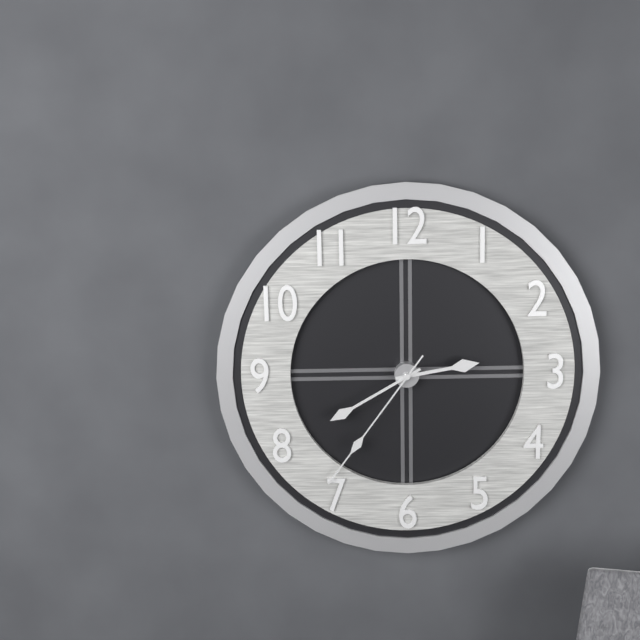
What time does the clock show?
2:40:36
